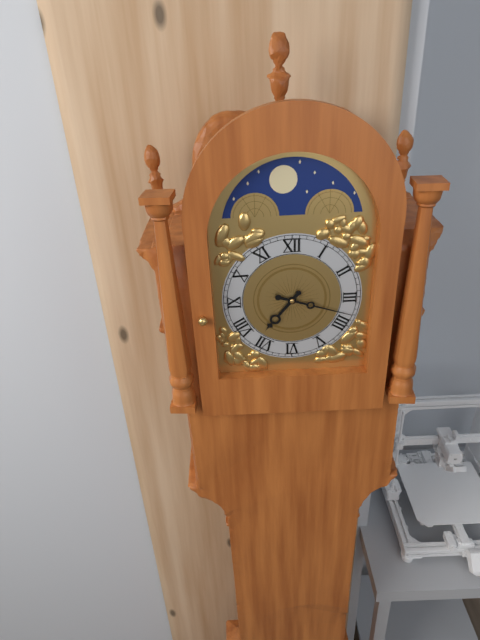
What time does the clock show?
7:18
